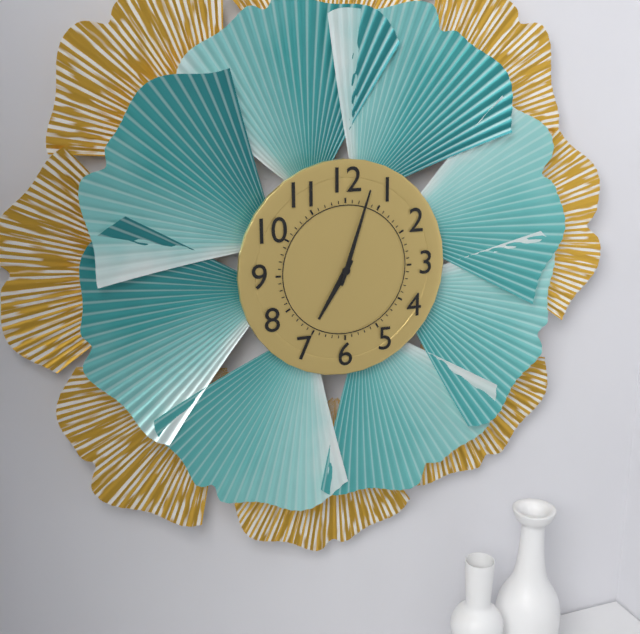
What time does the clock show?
7:03
